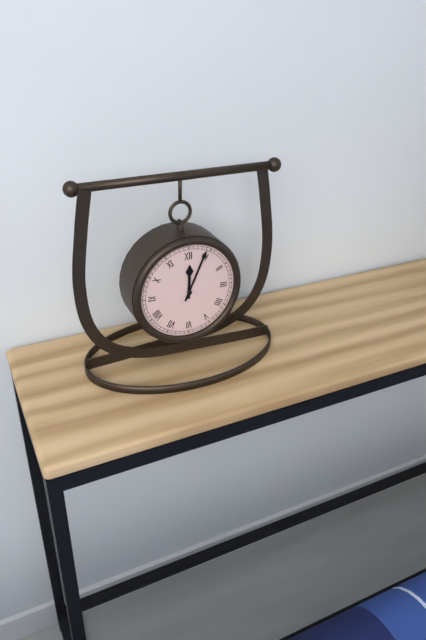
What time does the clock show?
12:04
